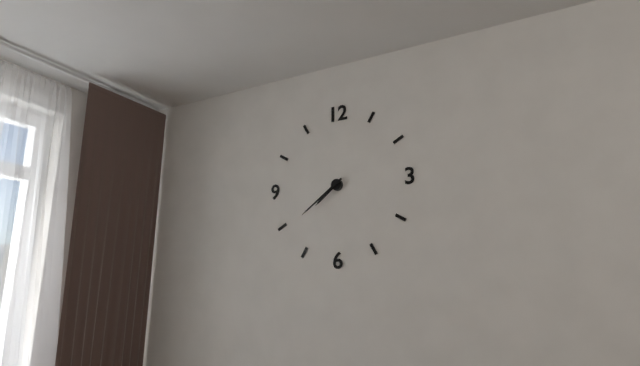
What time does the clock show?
7:39
